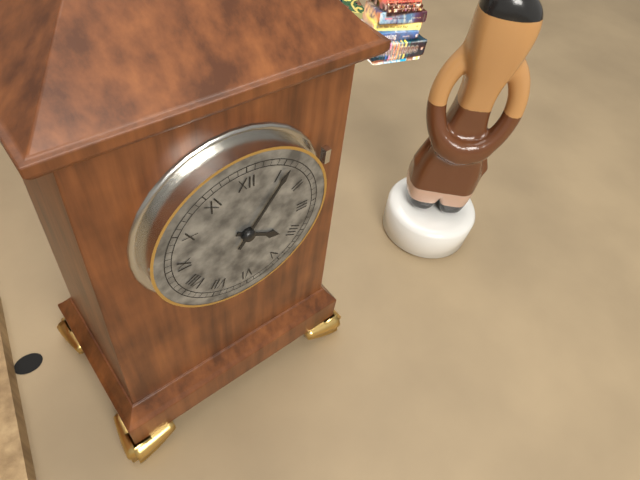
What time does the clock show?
4:06
